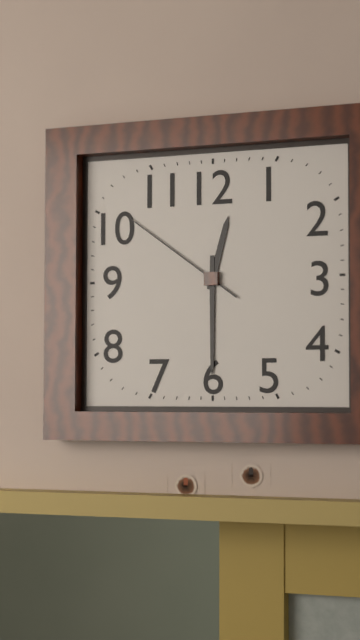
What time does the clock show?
12:30:51
